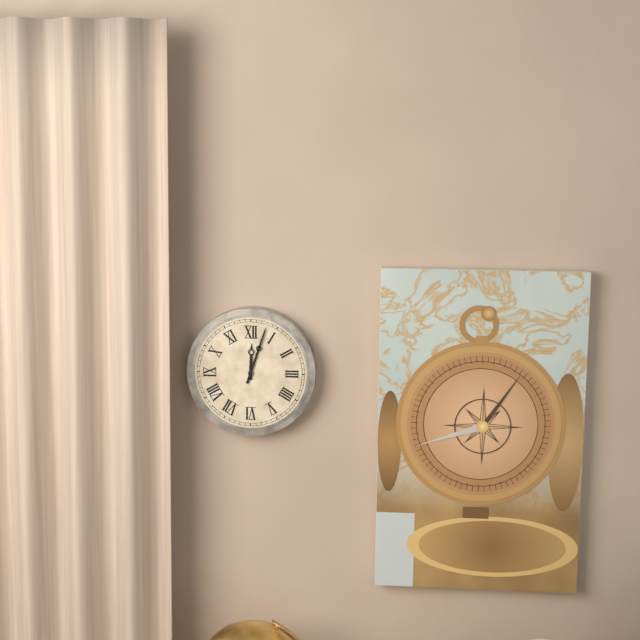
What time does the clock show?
12:03
